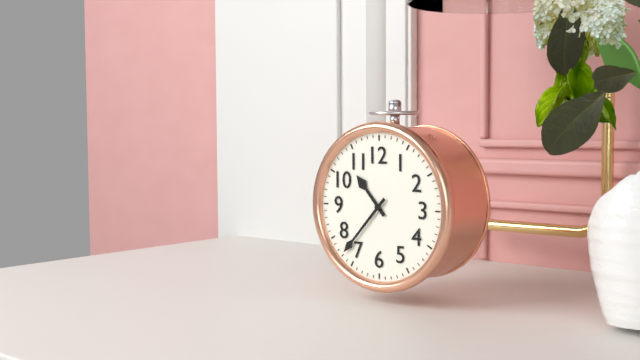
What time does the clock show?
10:37
